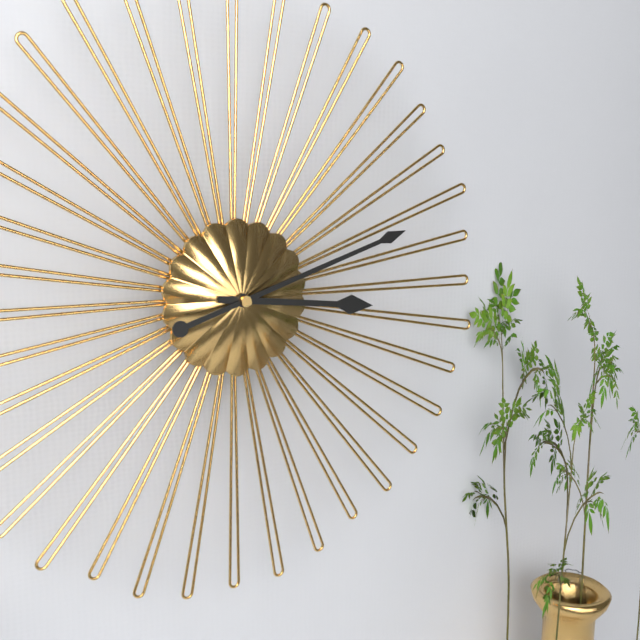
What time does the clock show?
3:12
